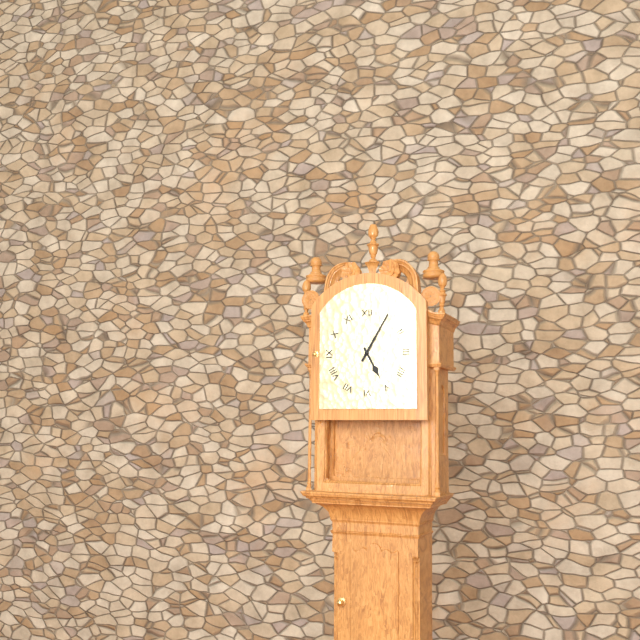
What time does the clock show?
5:05
